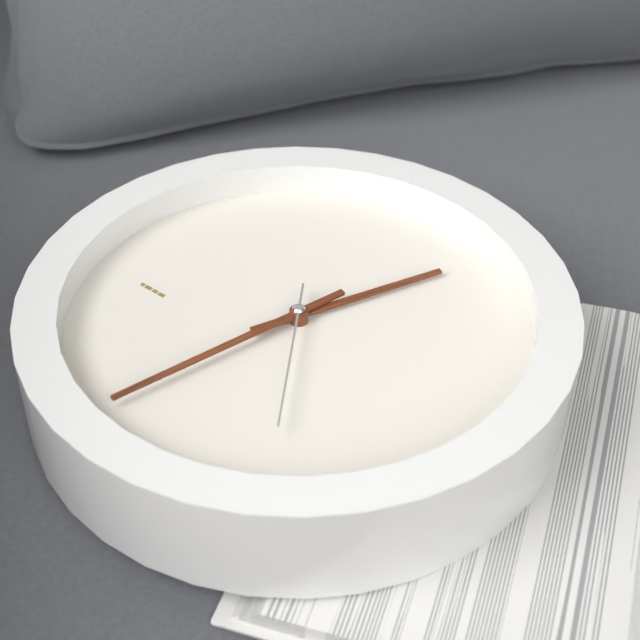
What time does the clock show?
12:31:23
